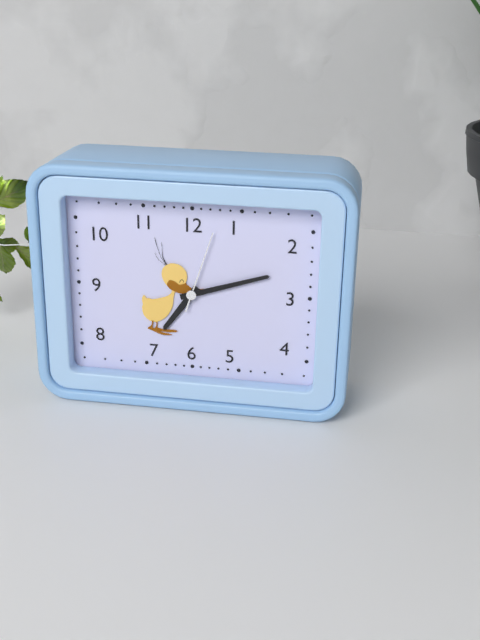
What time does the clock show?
7:12:03
